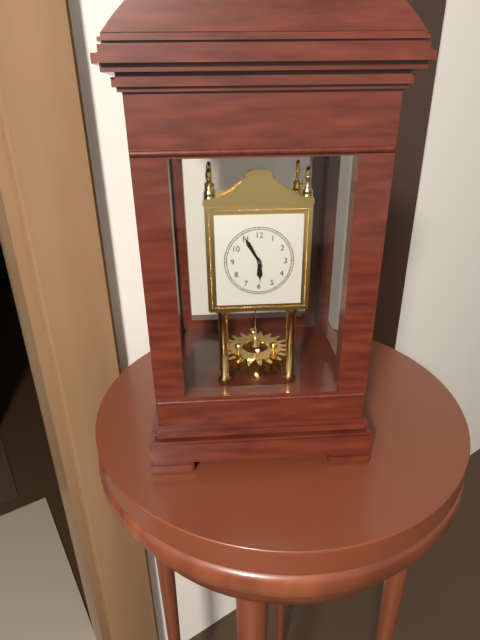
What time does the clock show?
5:55
